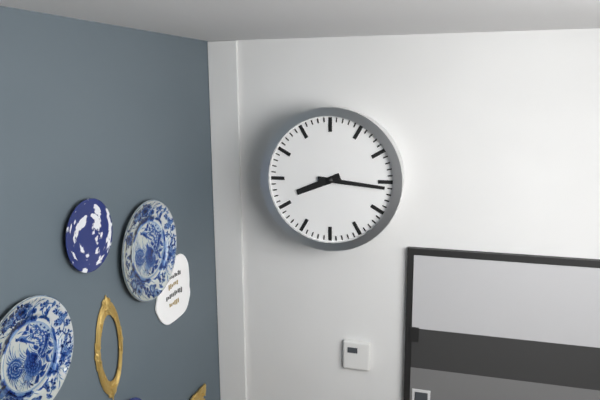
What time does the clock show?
8:16
